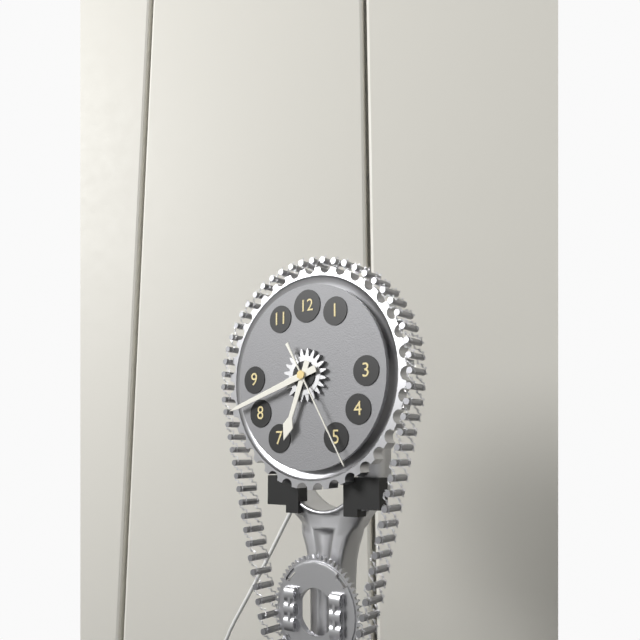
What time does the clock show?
6:42:25
